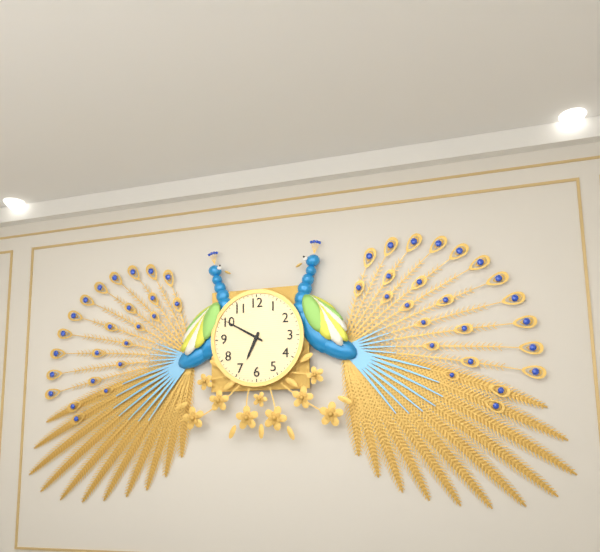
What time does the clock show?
6:50
